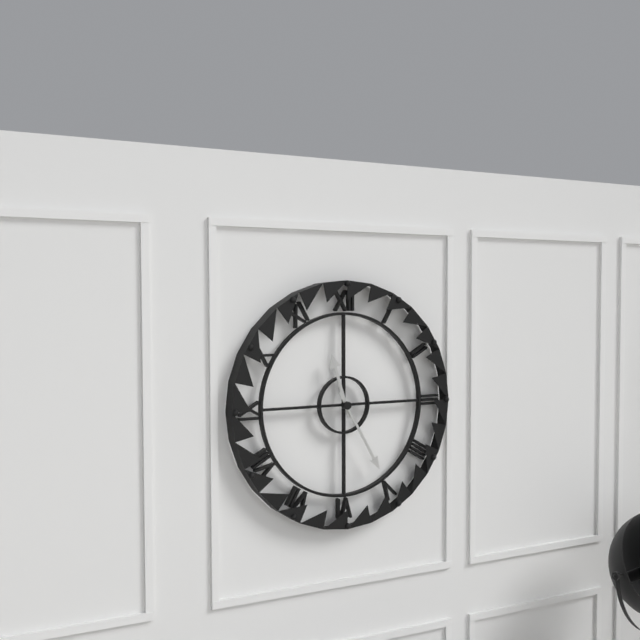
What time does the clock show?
11:25
